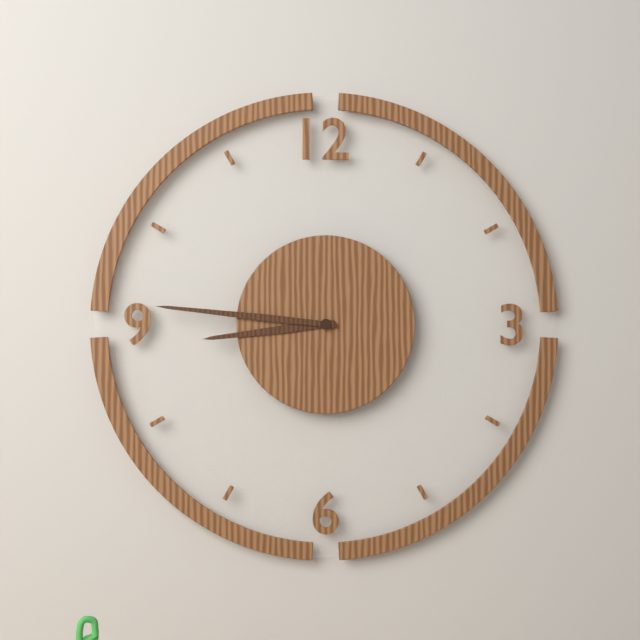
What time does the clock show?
8:46
